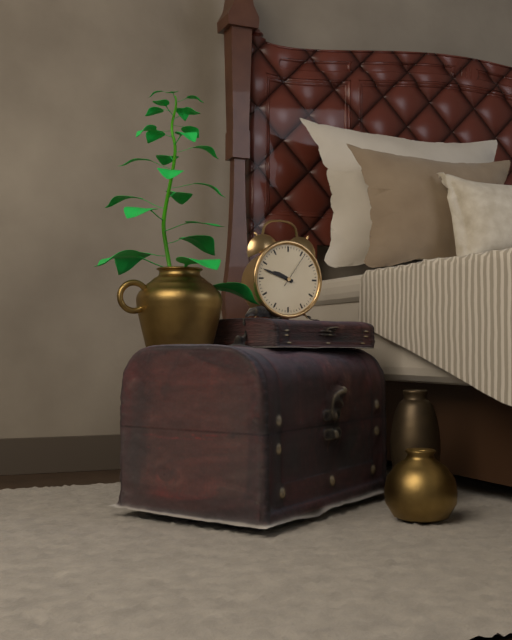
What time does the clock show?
9:48
